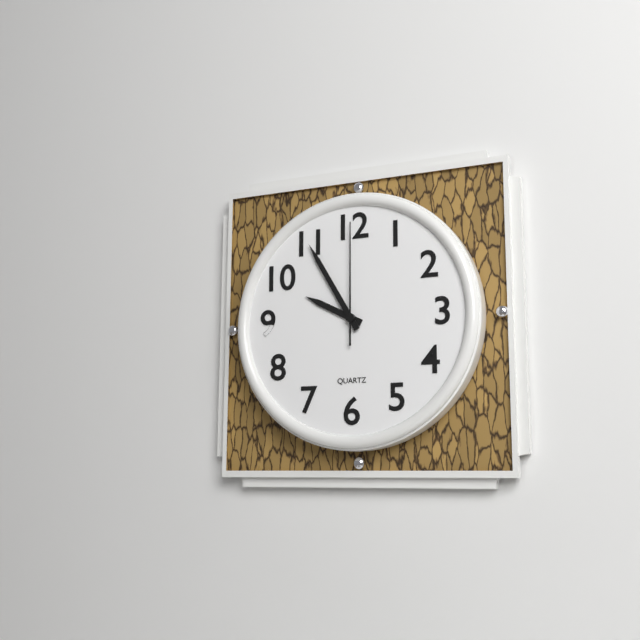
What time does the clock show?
9:55:00
